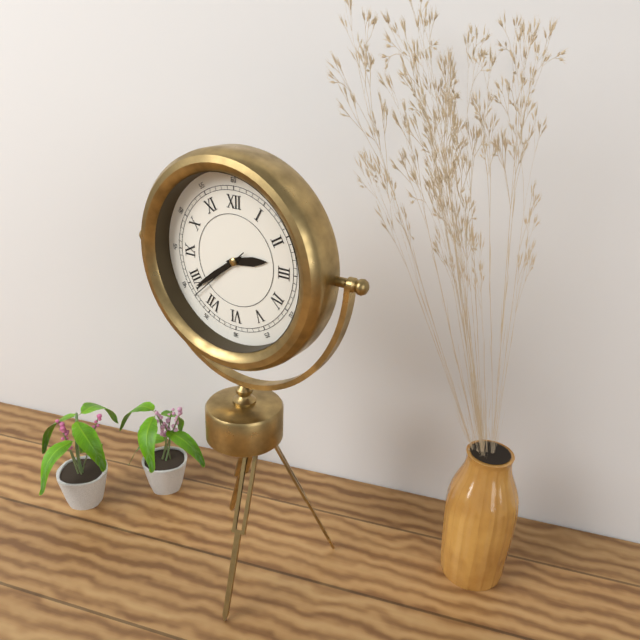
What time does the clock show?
2:39:38
